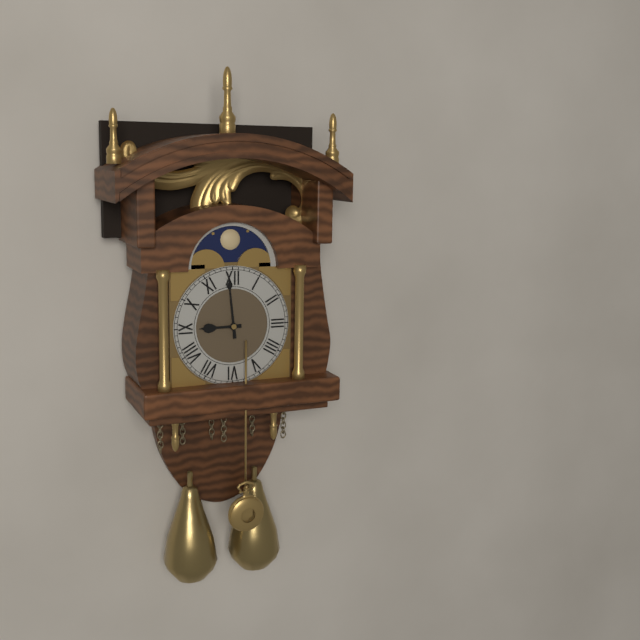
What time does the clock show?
8:59
